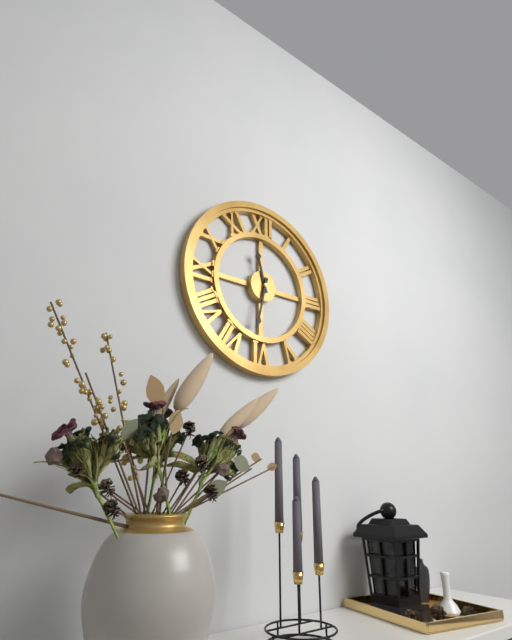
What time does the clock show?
11:32
